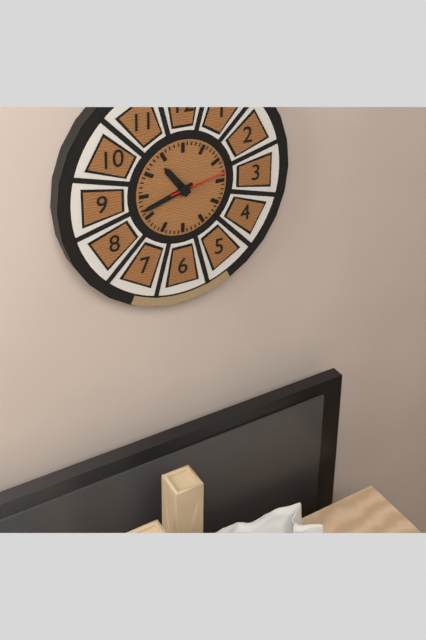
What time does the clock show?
10:42:13
